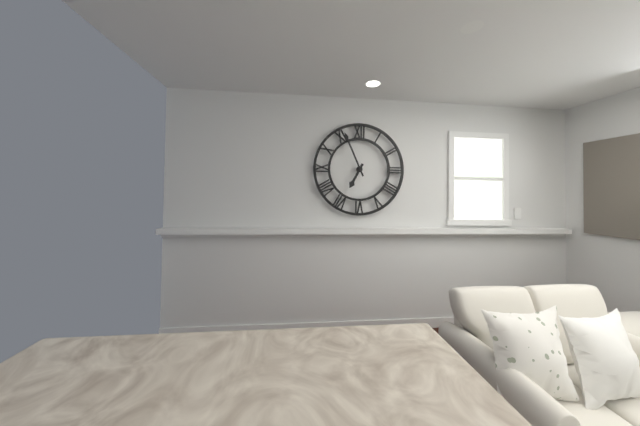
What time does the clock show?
6:56
